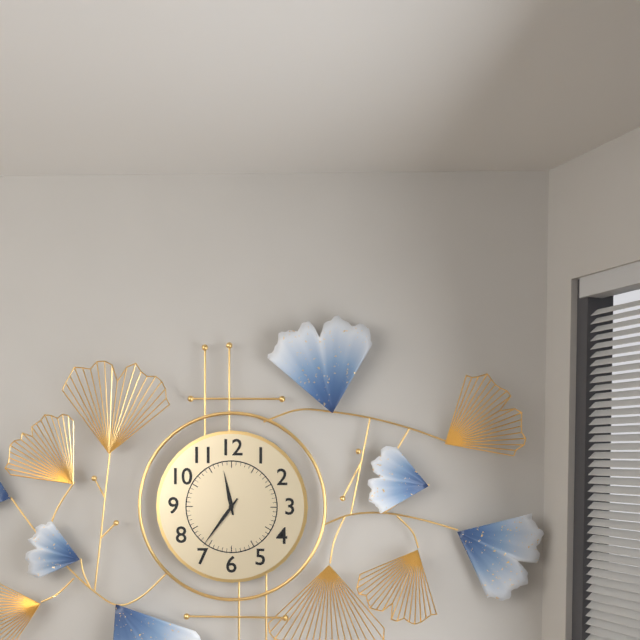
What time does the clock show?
11:36
